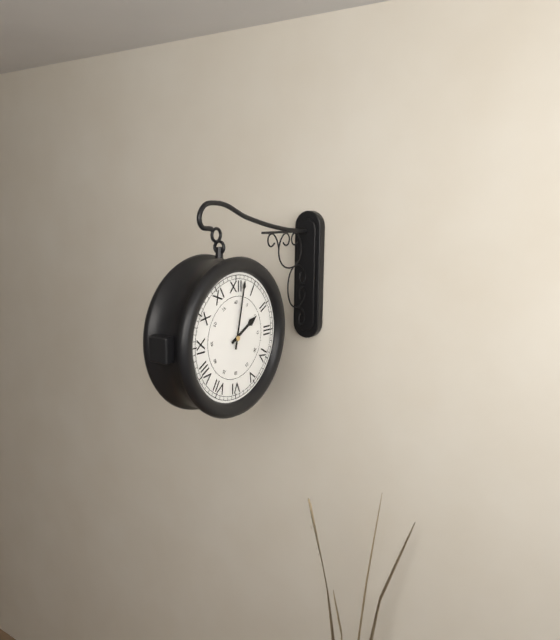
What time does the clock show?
2:02
